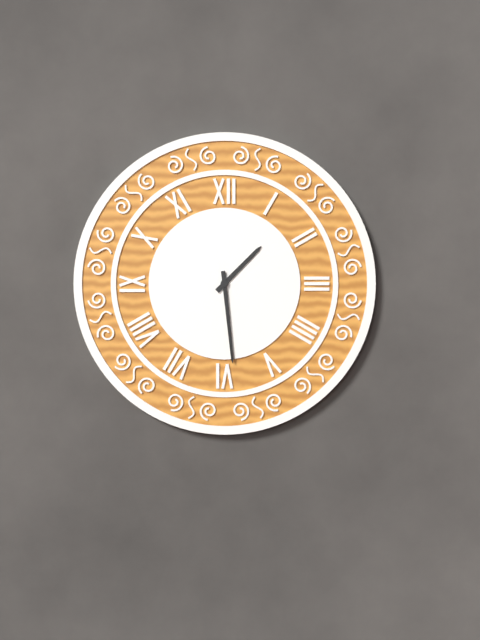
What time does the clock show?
1:29
